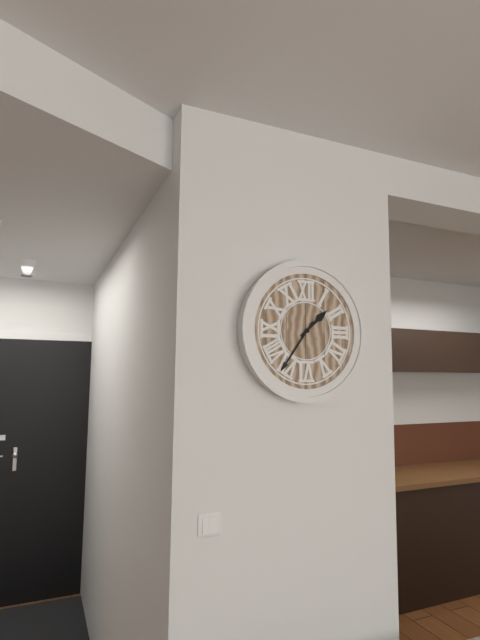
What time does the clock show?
1:36
